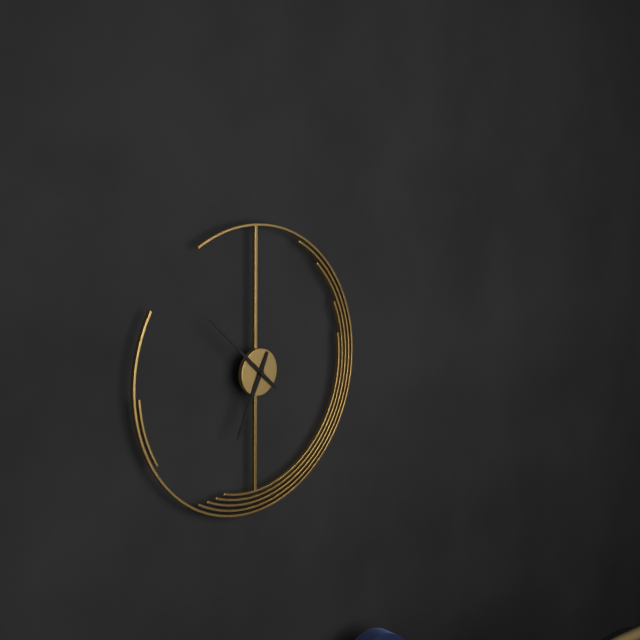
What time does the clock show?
6:52
